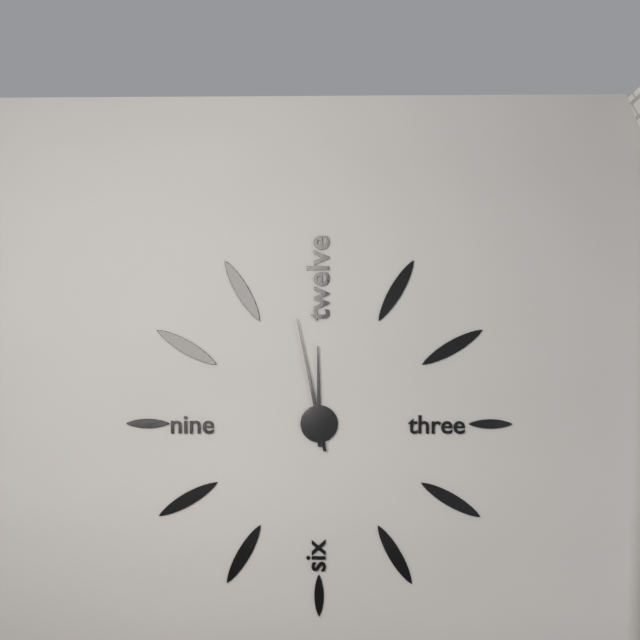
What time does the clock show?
11:58
